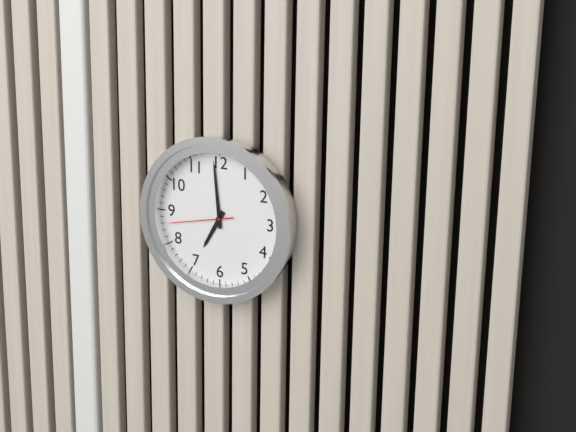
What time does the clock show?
6:59:43
